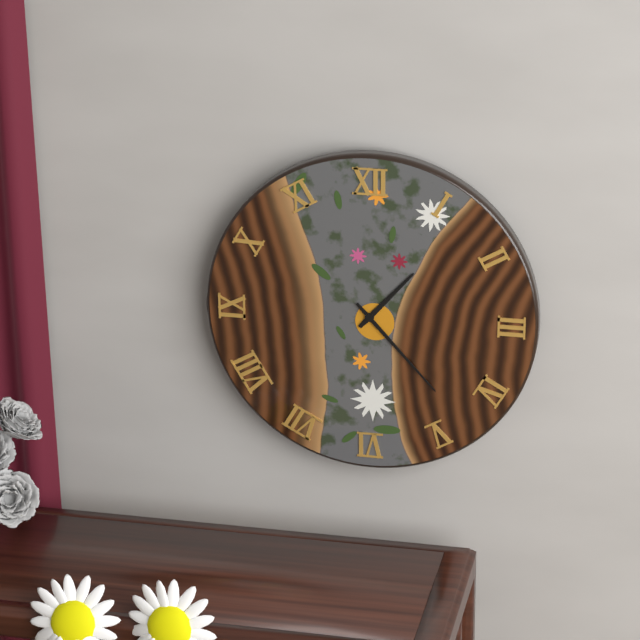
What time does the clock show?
1:23
